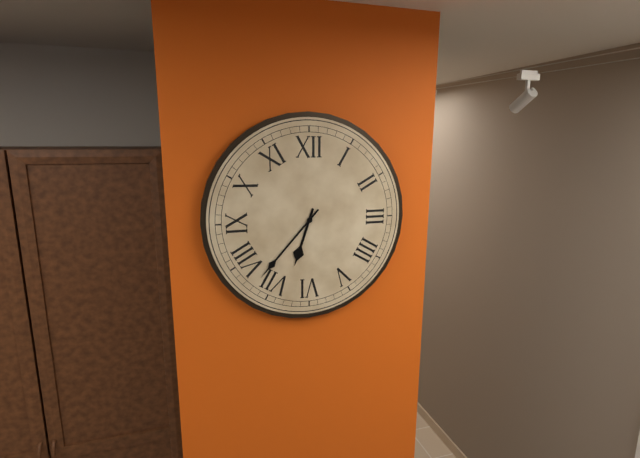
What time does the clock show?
6:37
